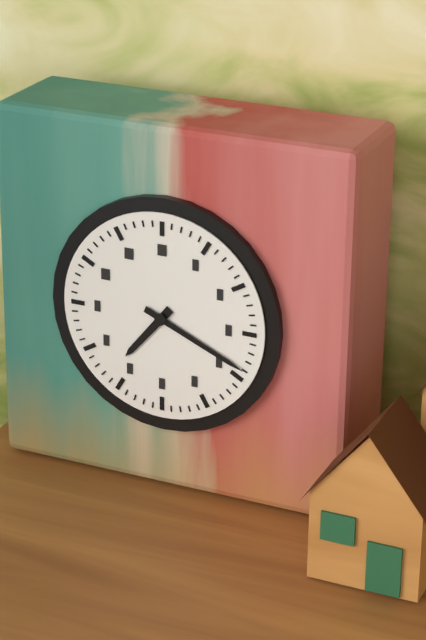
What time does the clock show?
7:19
